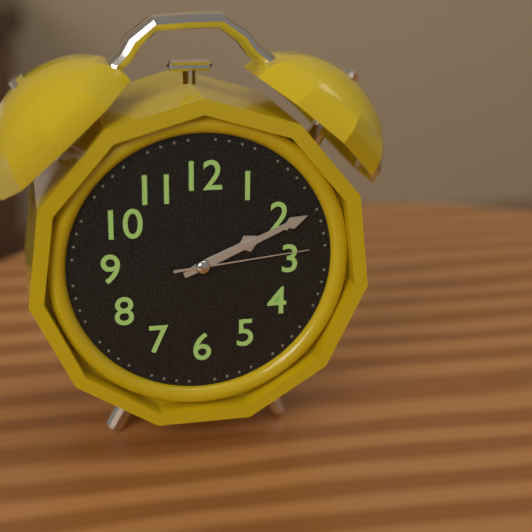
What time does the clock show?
2:11:14
